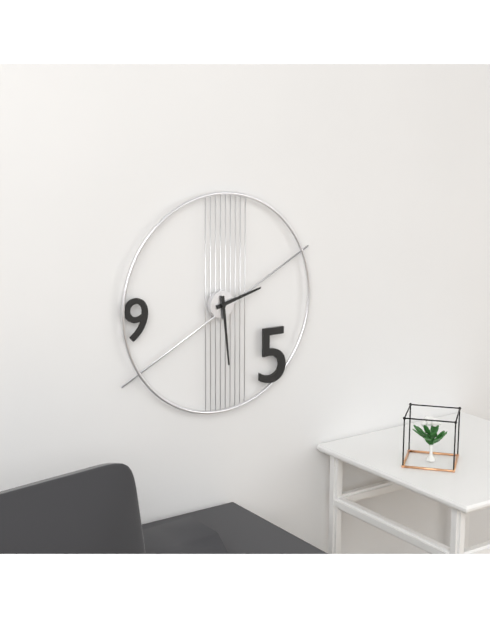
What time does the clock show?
2:29
